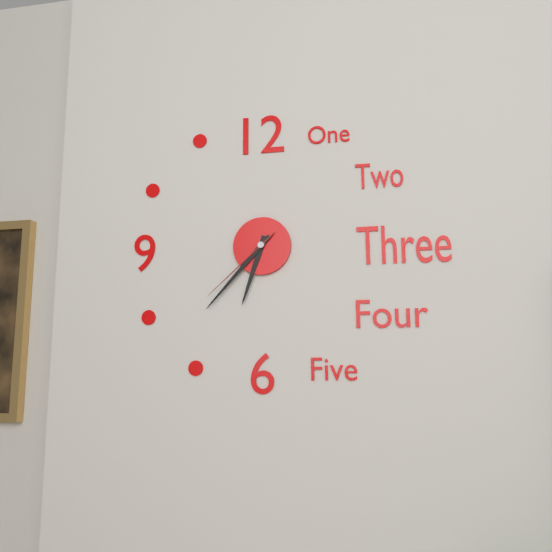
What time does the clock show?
6:37:38
